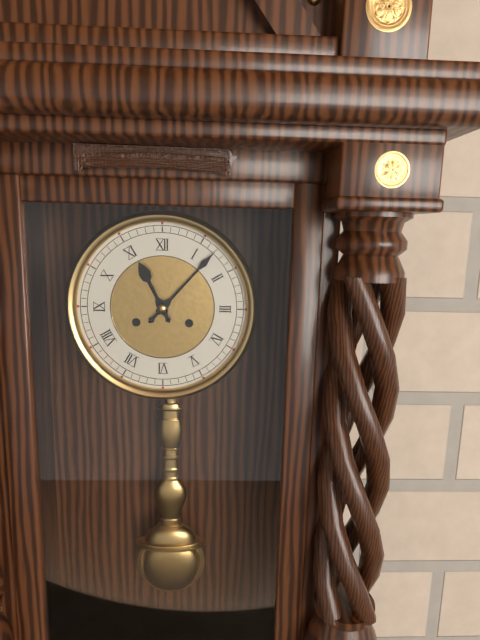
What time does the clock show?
11:07
